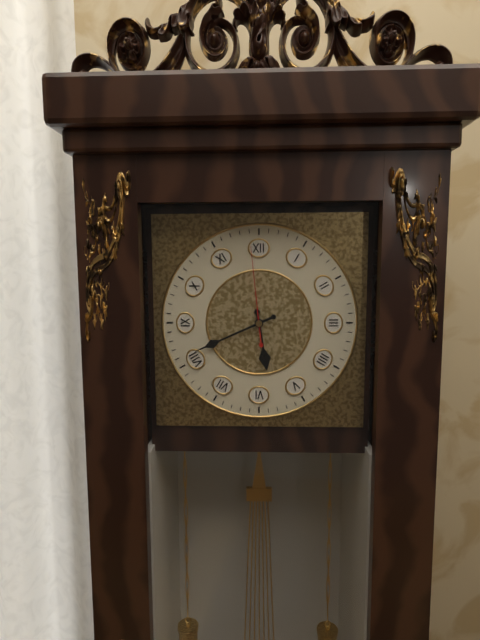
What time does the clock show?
5:41:59
